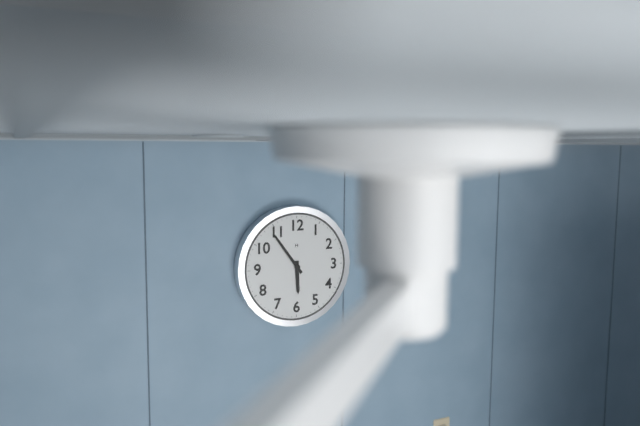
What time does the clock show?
5:54
